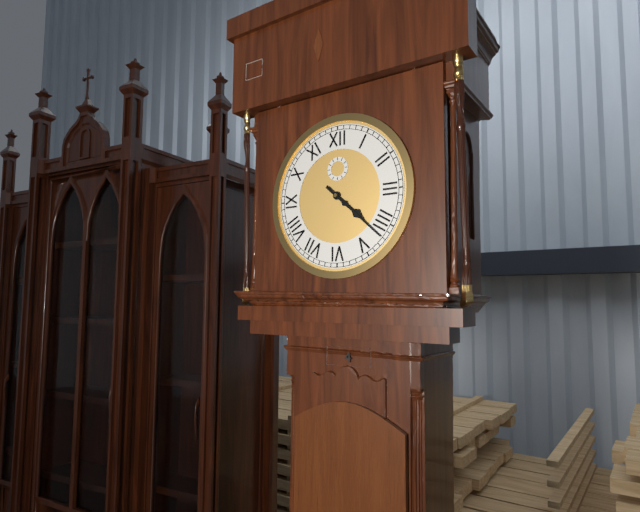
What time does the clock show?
4:22
